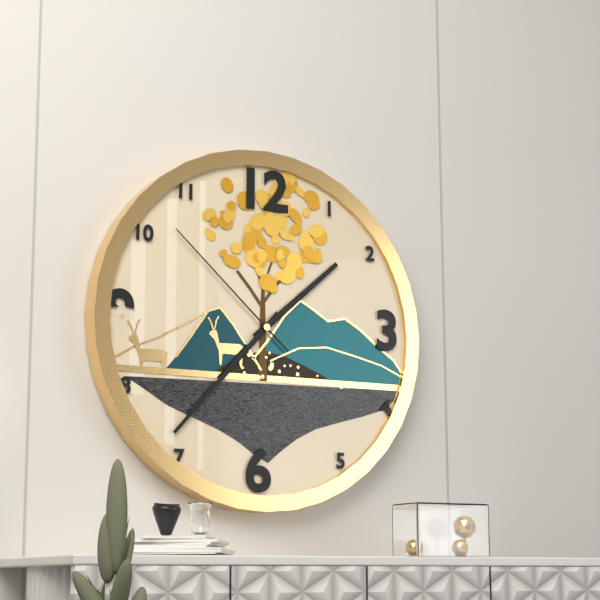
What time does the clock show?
1:37:52
